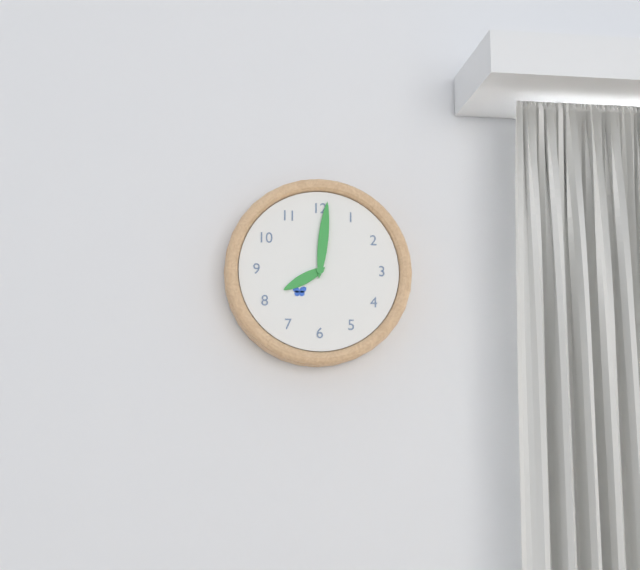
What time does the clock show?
8:01
